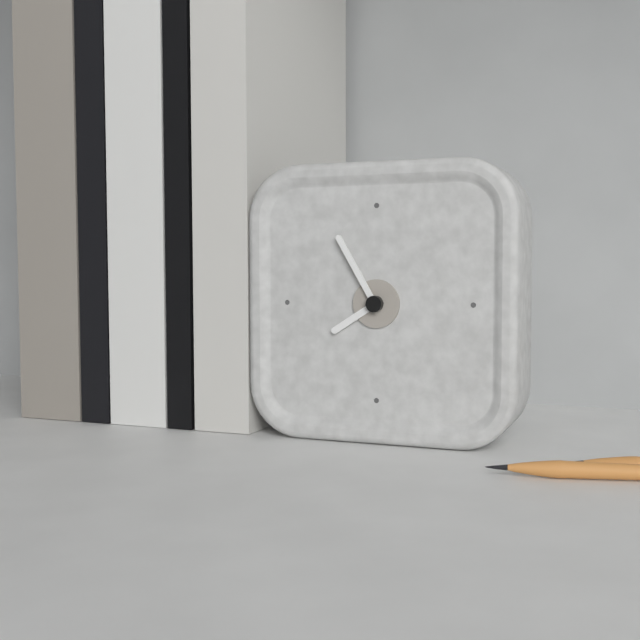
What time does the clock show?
7:55
